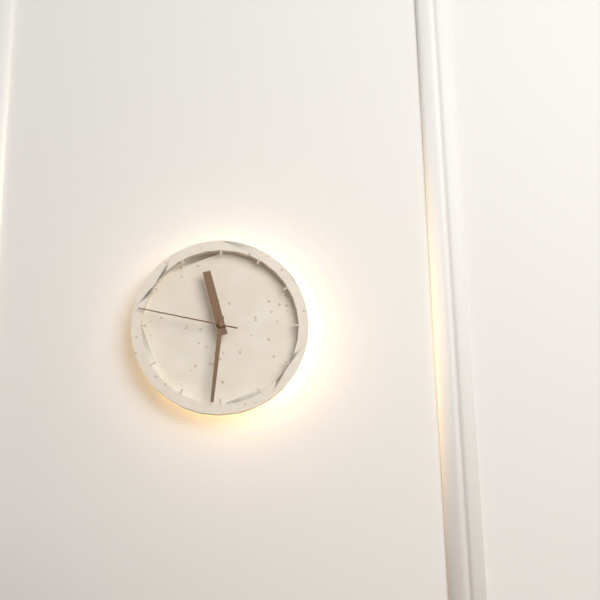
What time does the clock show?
11:31:47
